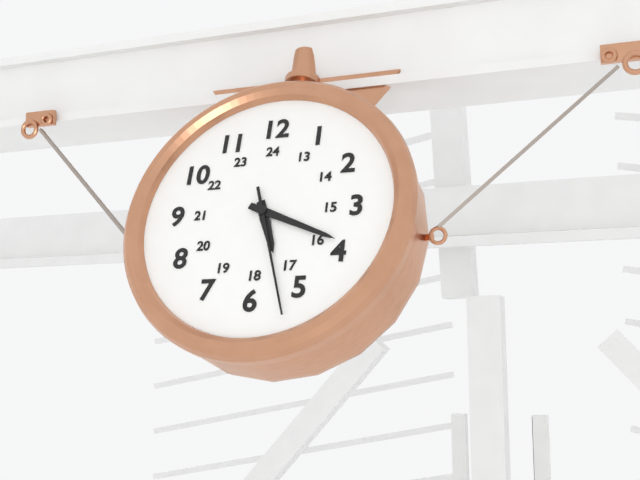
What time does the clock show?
5:19:27
